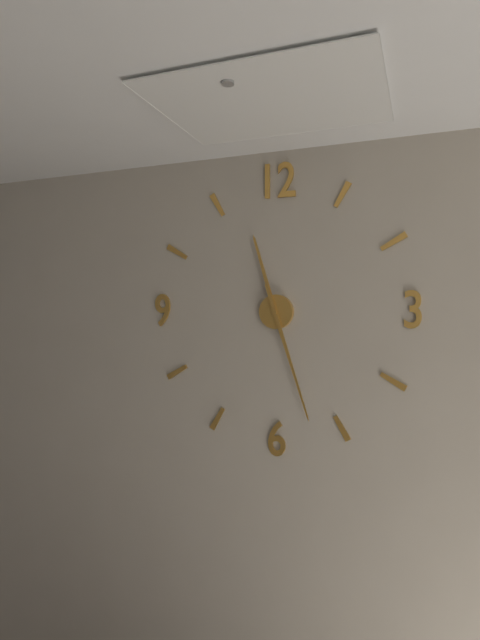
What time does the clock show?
11:27
